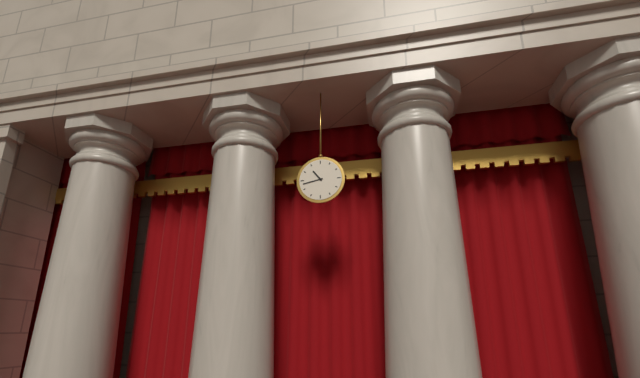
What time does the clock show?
10:43
